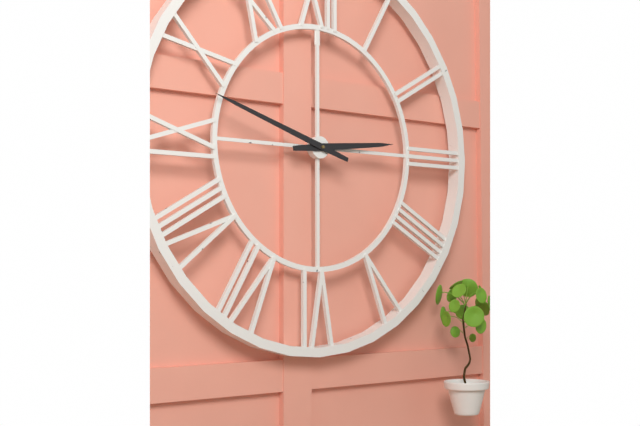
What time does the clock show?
2:48
